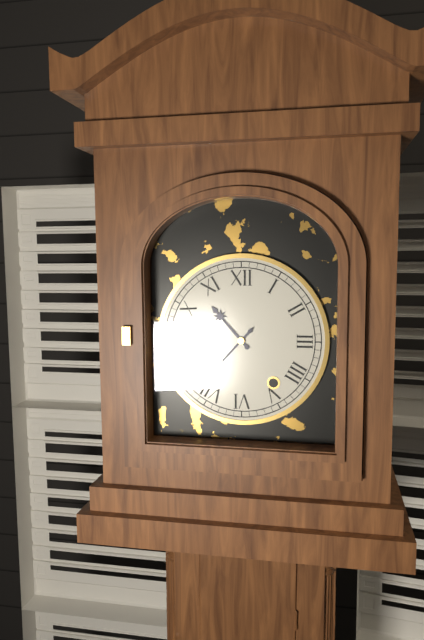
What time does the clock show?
10:37
